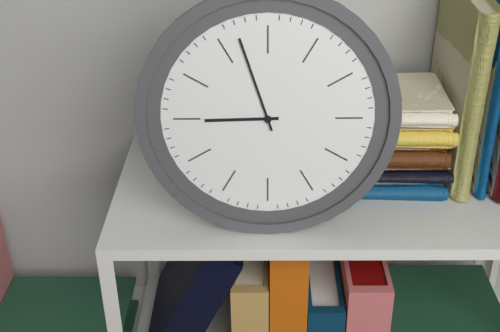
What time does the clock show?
8:57
